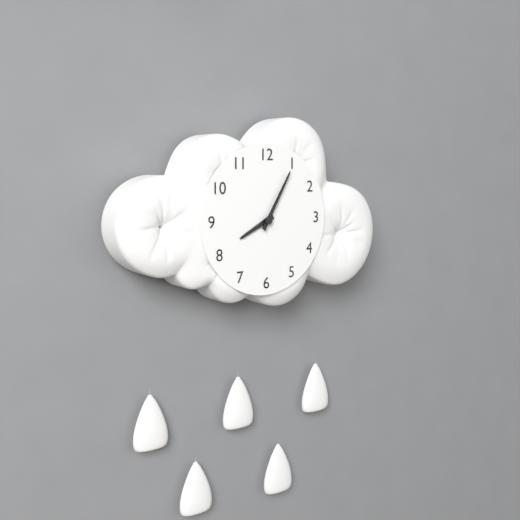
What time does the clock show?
8:05
